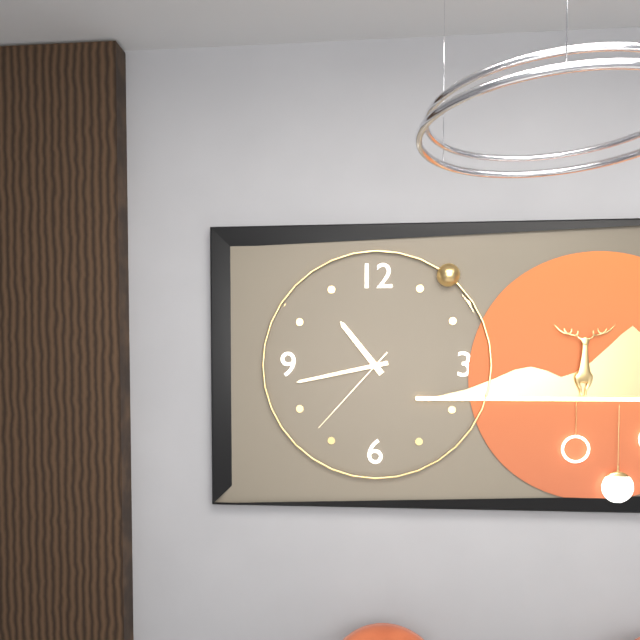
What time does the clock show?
10:43:37
